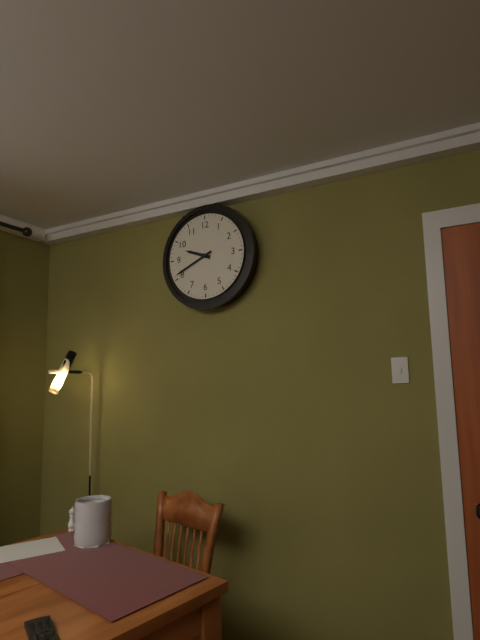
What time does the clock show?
9:41
